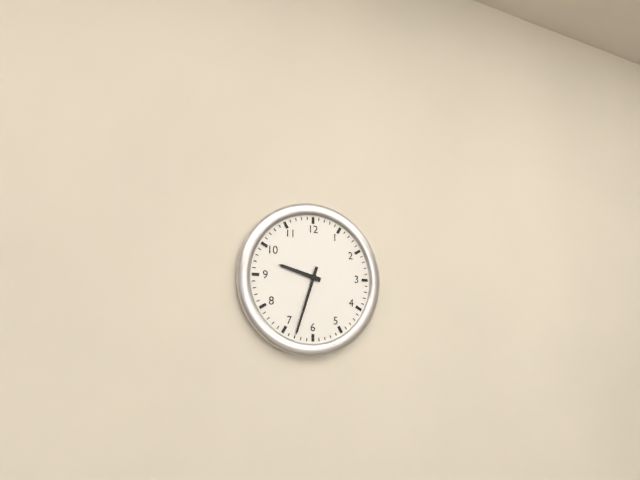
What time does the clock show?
9:33
